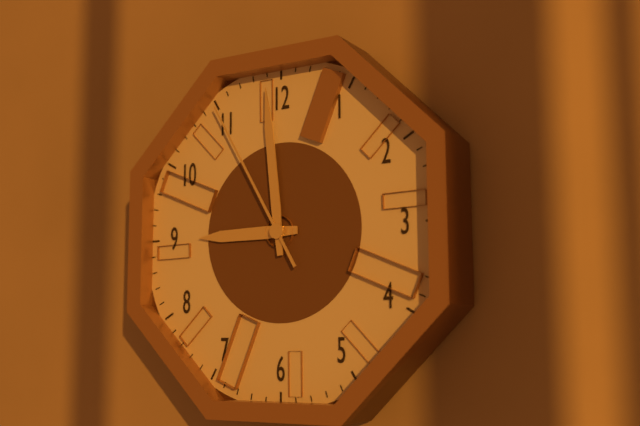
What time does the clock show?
8:59:55
